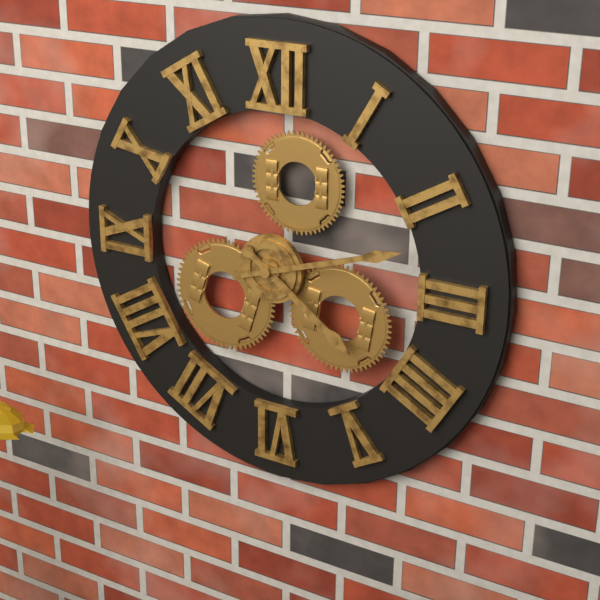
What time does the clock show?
4:12
